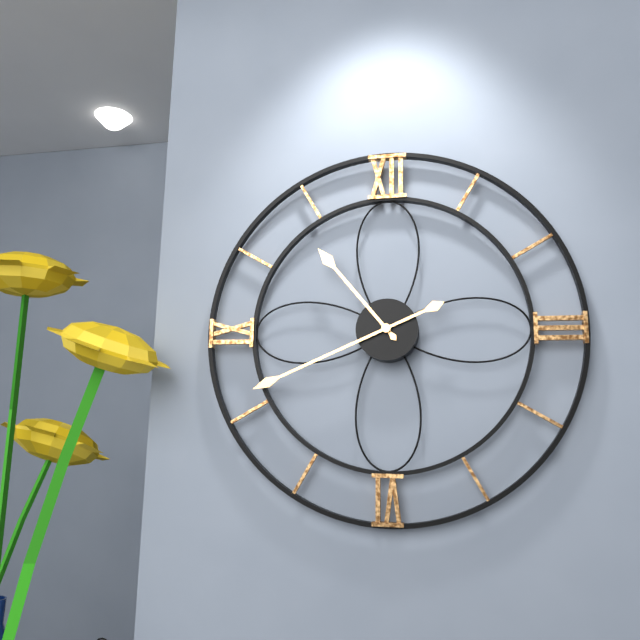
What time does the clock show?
10:41
